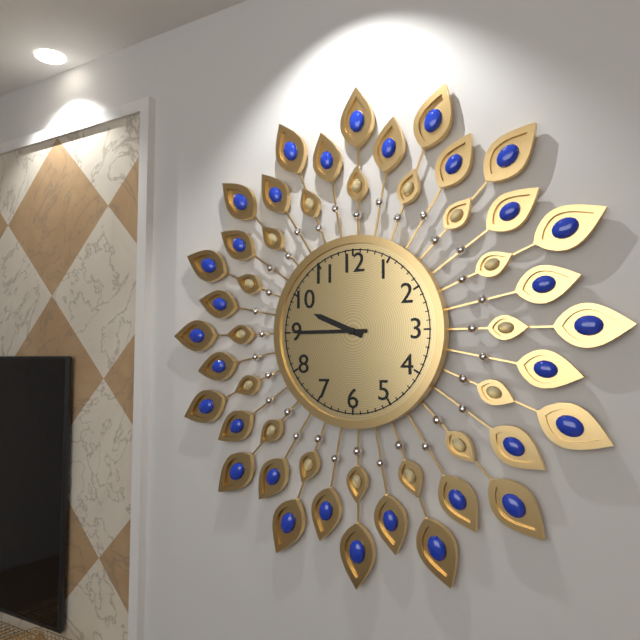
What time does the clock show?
9:45
